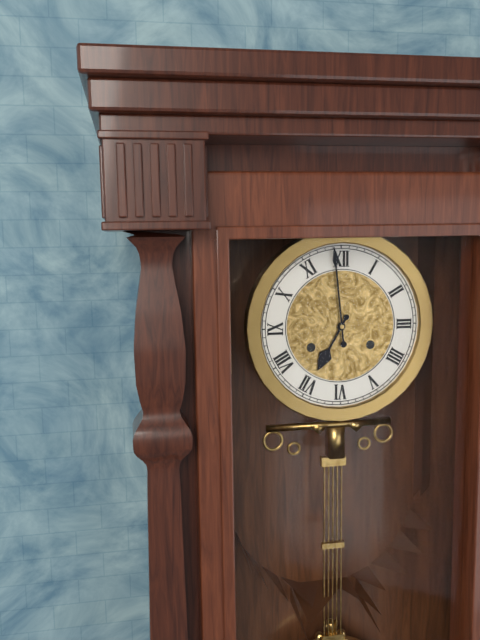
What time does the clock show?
6:59
